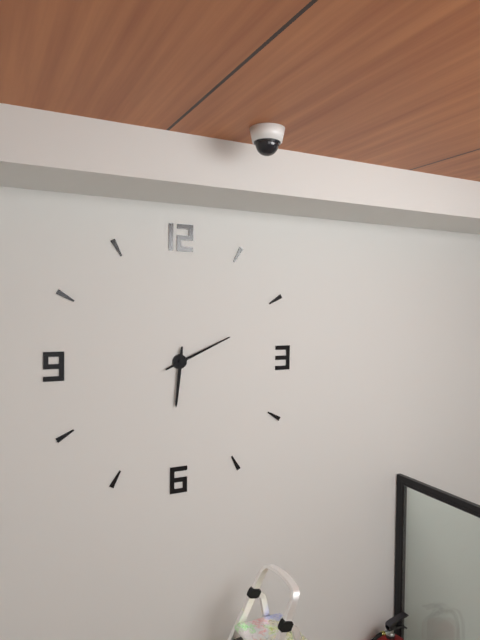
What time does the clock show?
6:11
